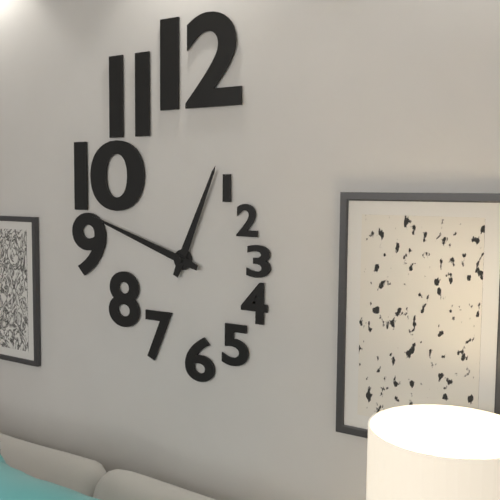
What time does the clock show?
12:48
